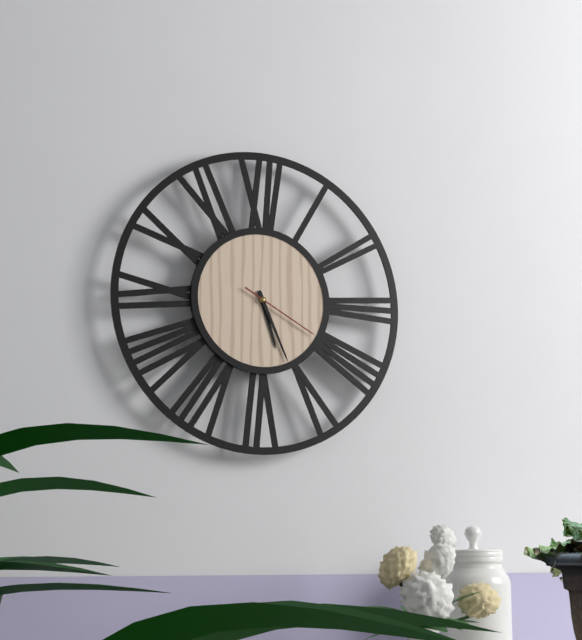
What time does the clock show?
5:26:20
